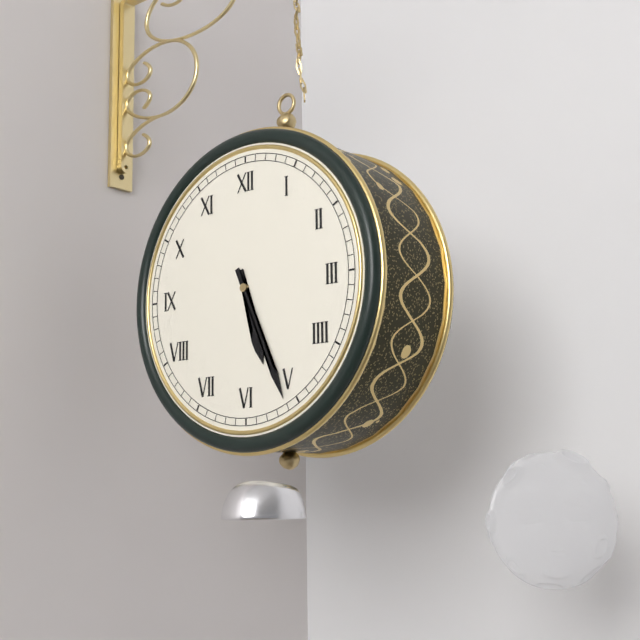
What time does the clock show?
5:26
